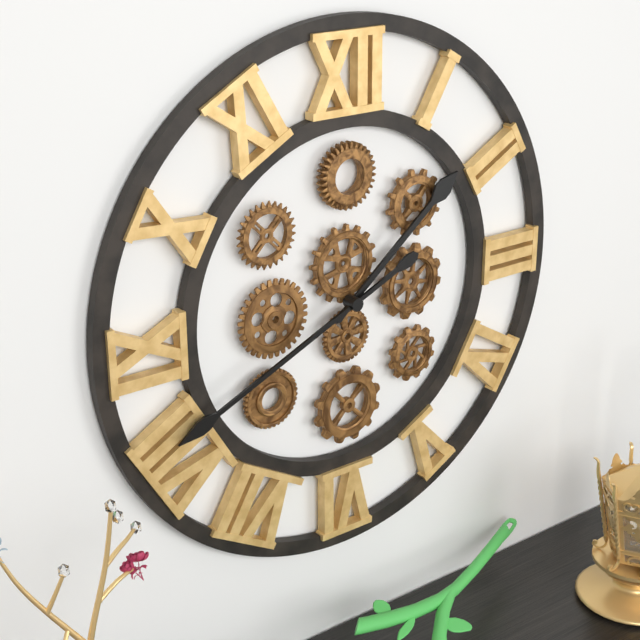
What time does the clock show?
1:41
